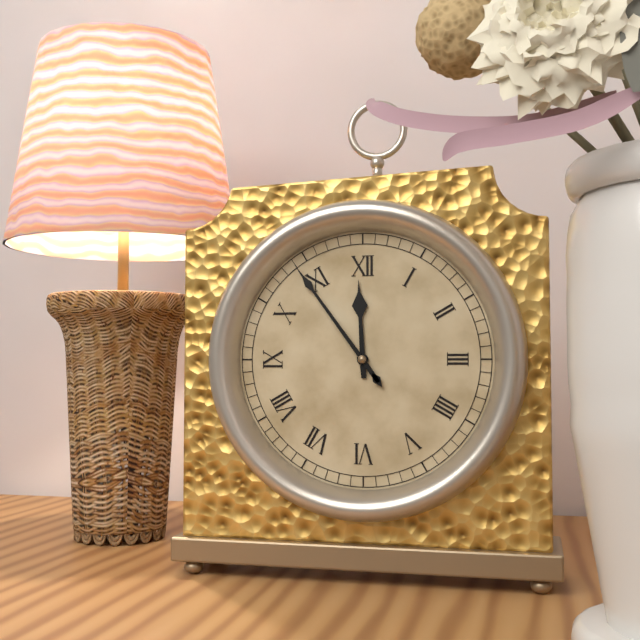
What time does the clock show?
11:54
